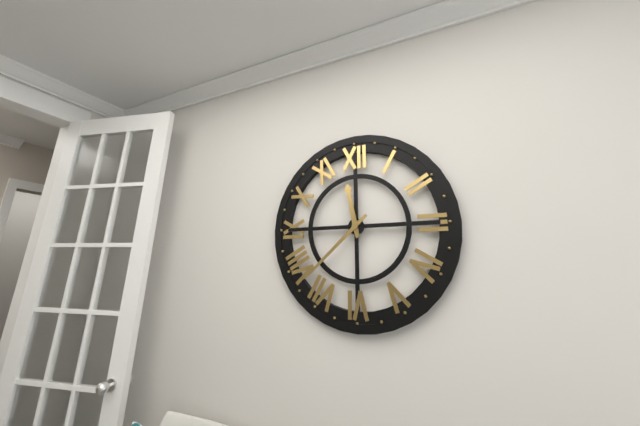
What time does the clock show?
11:38
